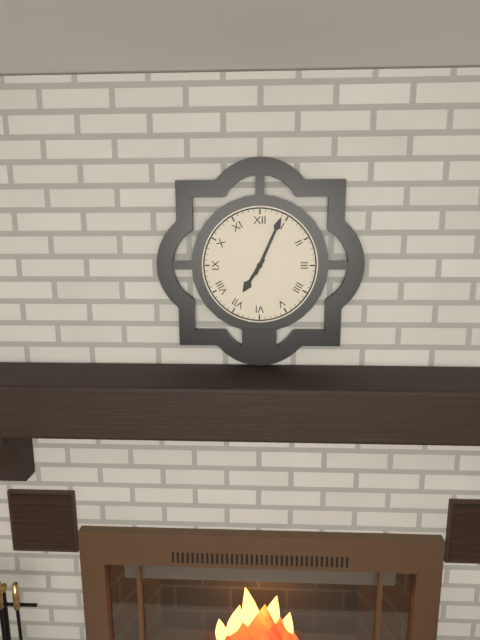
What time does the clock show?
7:04
